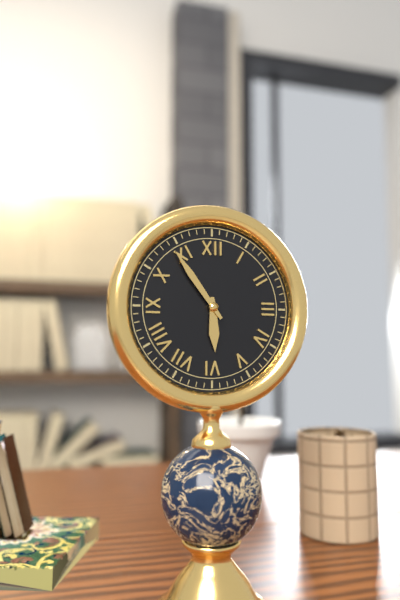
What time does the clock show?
5:54
